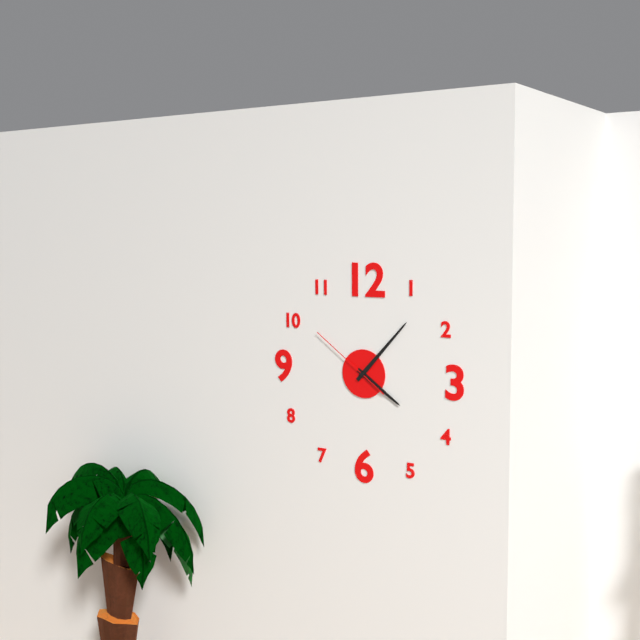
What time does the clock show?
4:07:51
